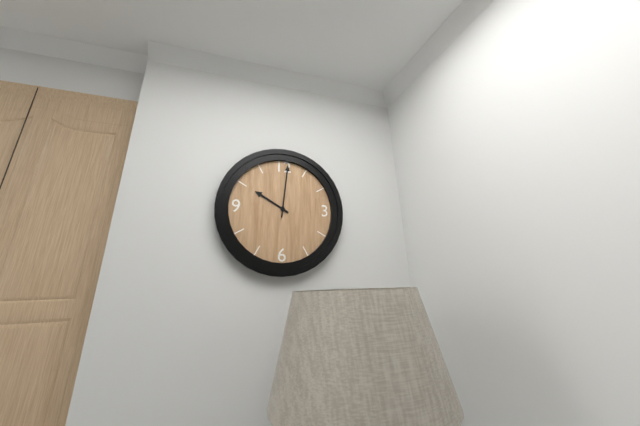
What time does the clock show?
10:01
